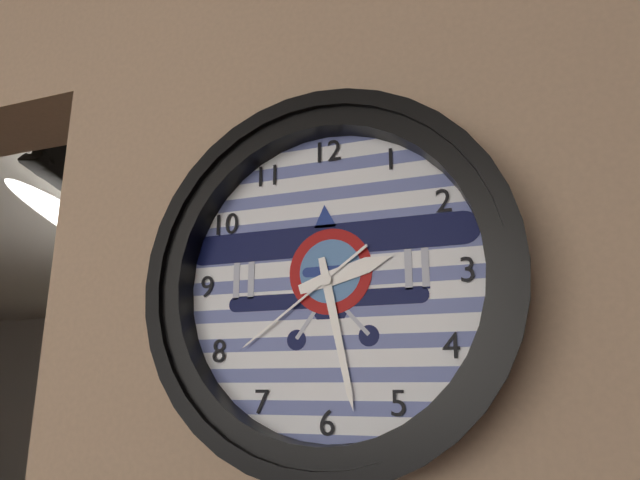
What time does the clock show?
2:28:39
